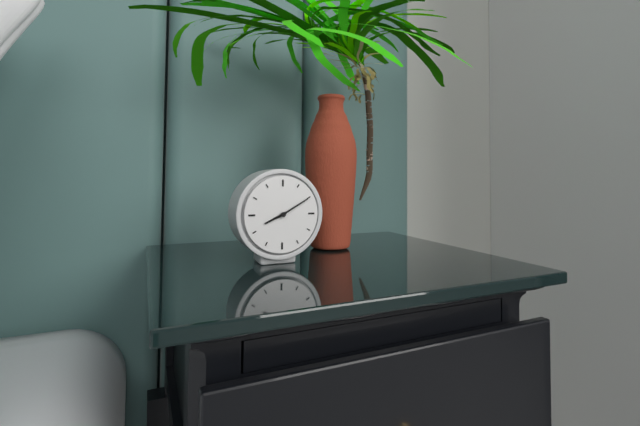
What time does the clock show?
8:10
